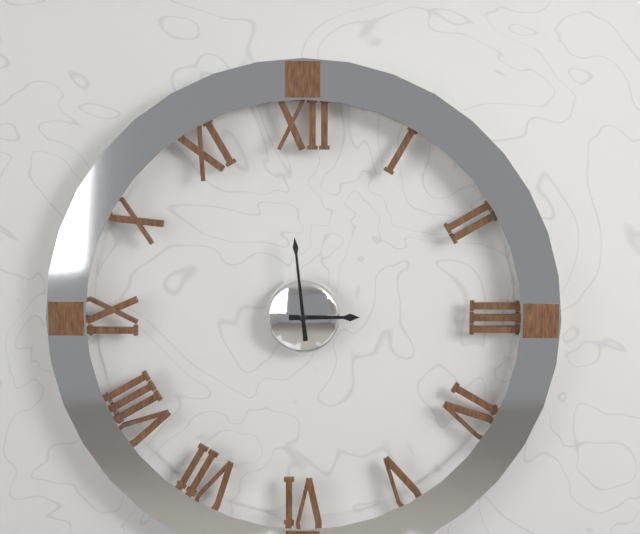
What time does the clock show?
2:59
